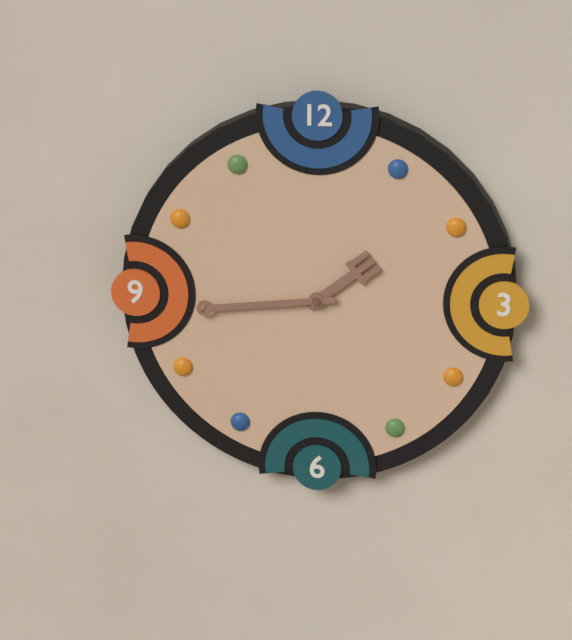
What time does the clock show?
1:44
